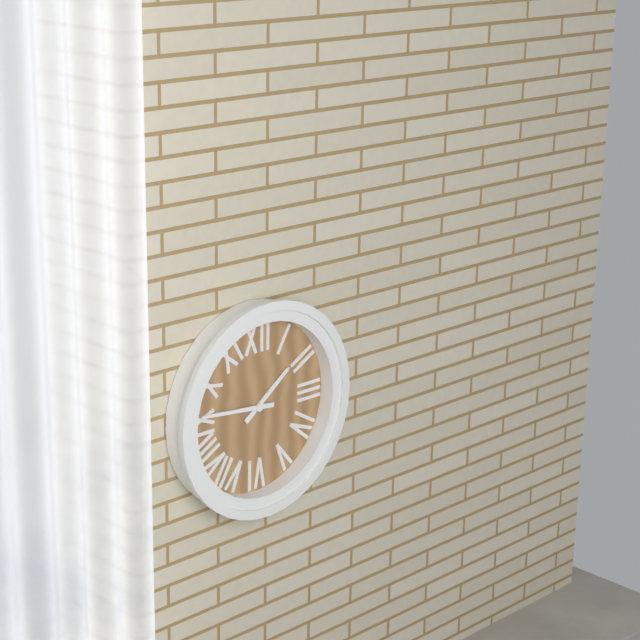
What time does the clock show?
1:46
